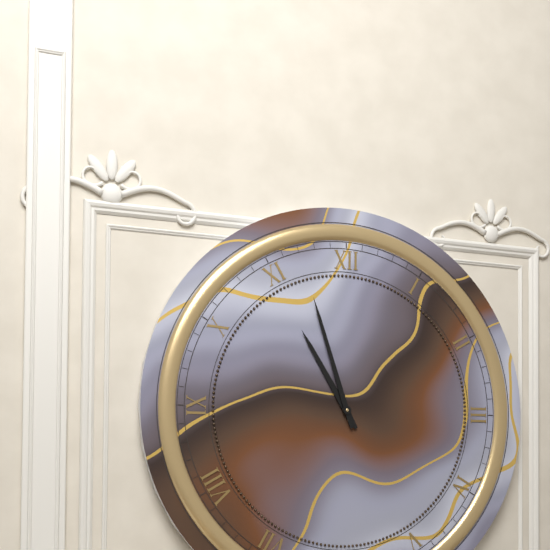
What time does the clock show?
10:57
